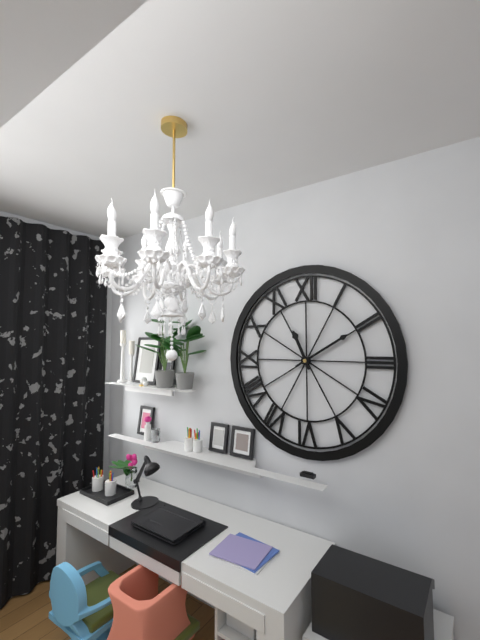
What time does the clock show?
11:10
